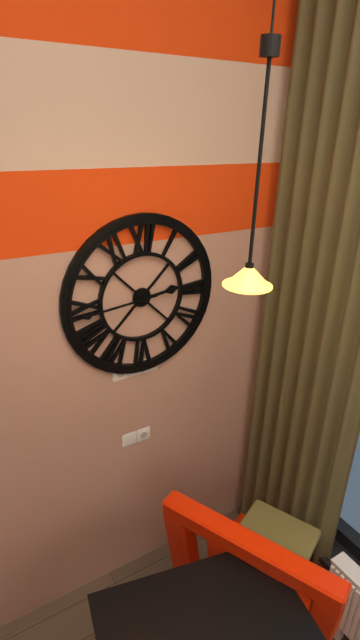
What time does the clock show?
2:44
